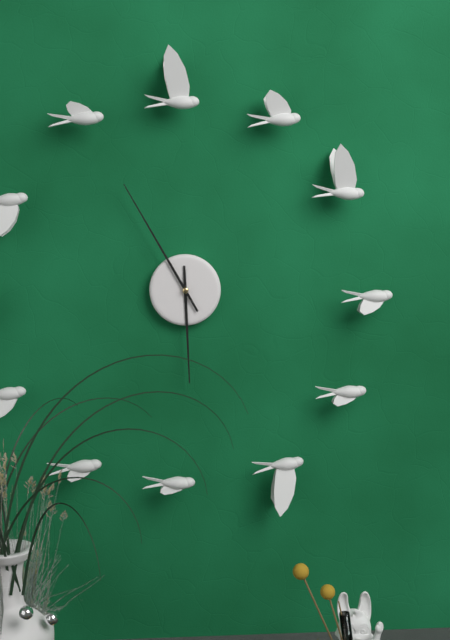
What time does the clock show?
5:55
